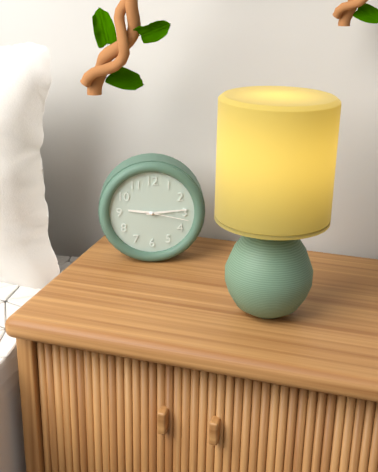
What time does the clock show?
9:14
